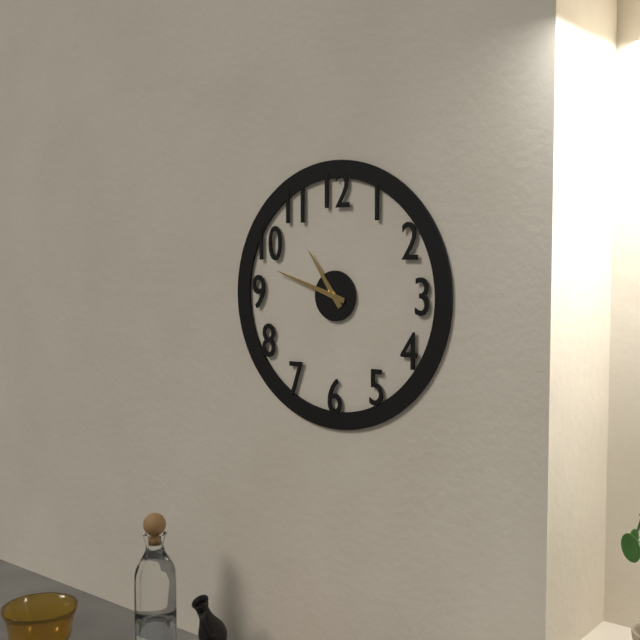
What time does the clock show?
10:48
